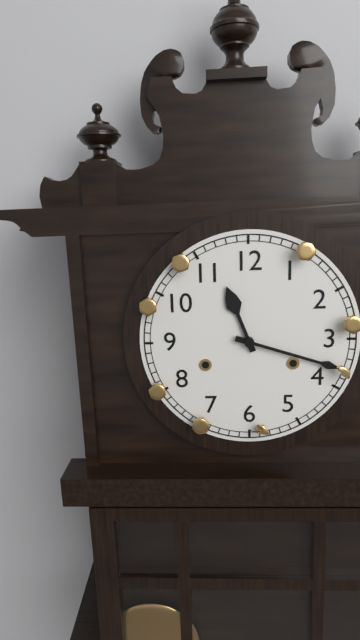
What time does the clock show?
11:18
